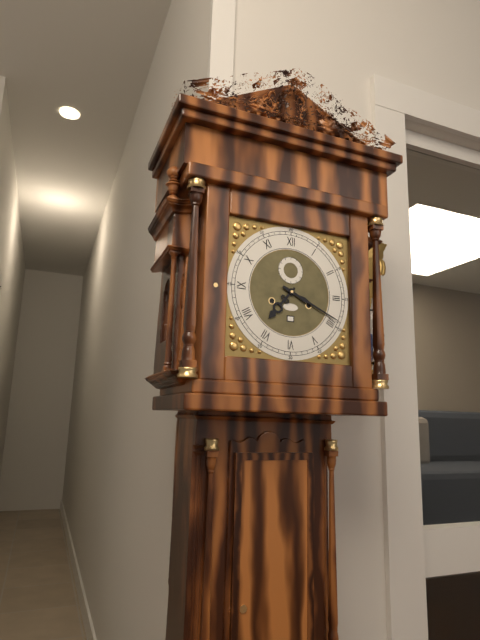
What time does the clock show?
7:19
